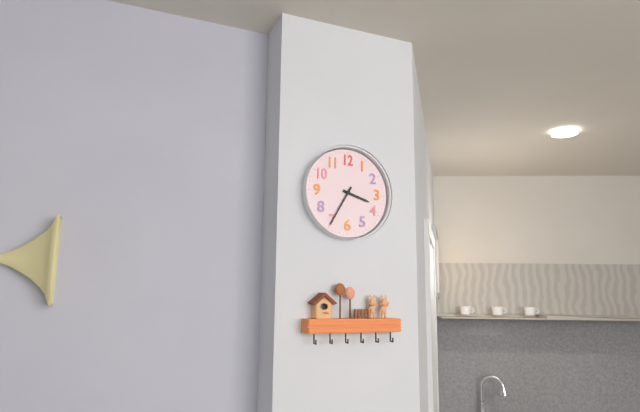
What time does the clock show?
3:35
